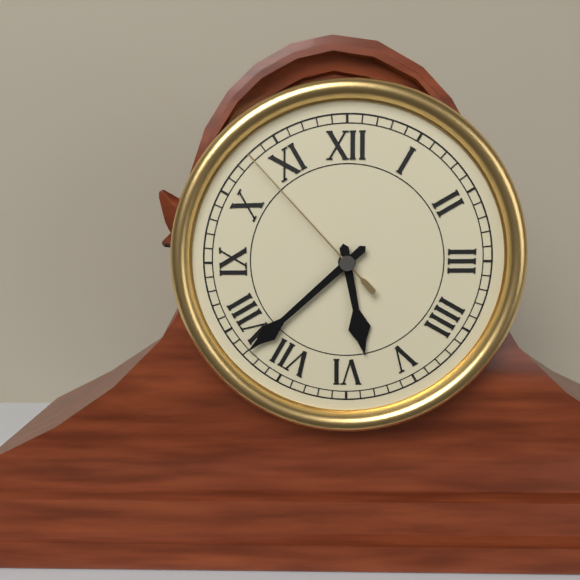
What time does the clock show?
5:38:53
